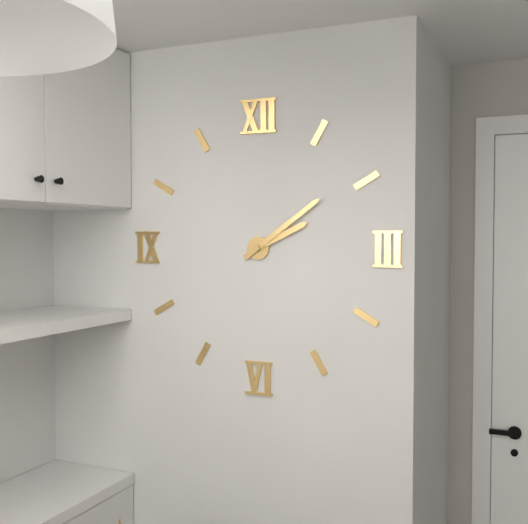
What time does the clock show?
2:09
